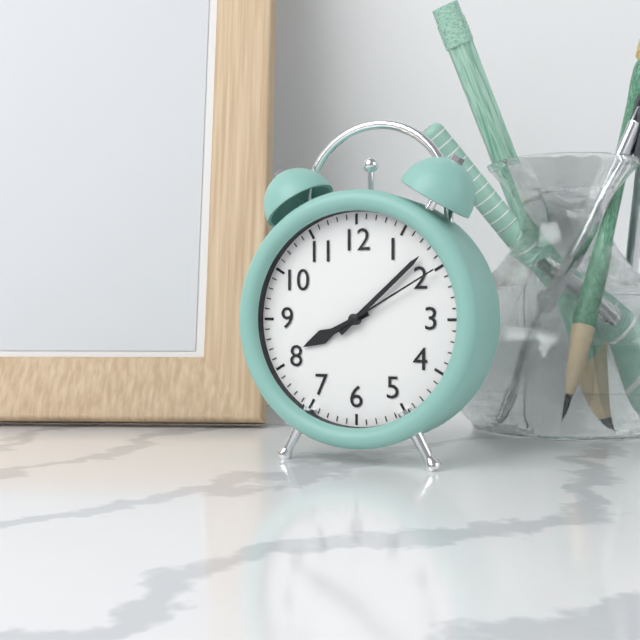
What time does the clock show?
8:08:10
